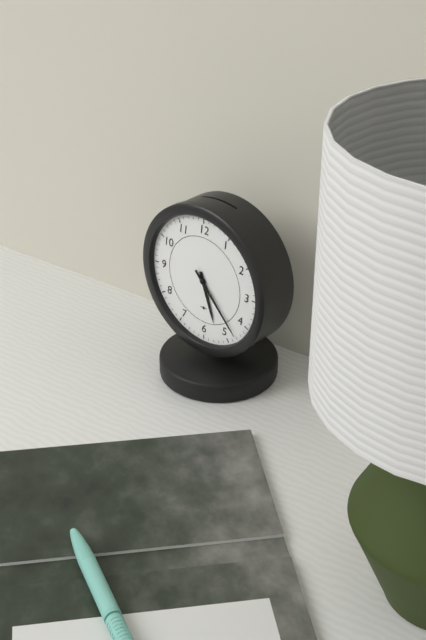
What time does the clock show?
5:23
